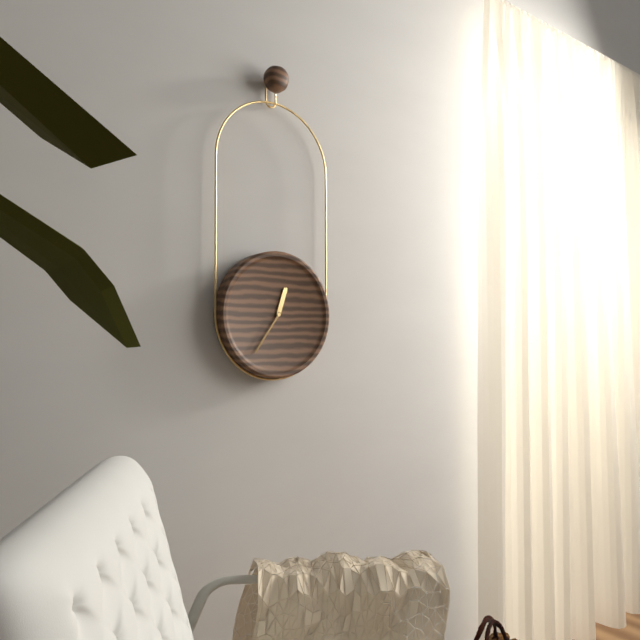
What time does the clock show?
12:36
